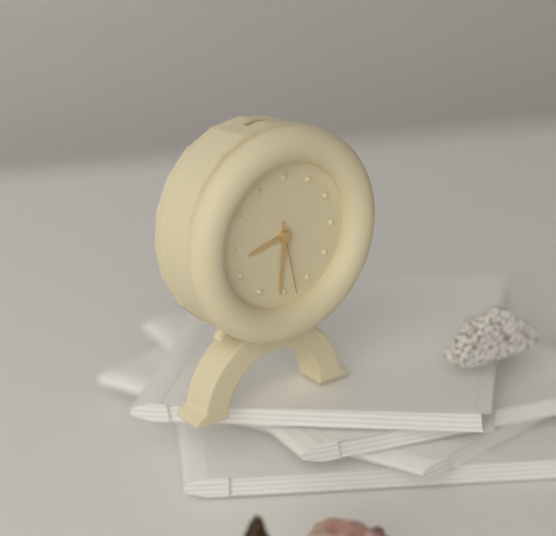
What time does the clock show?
8:31:28
